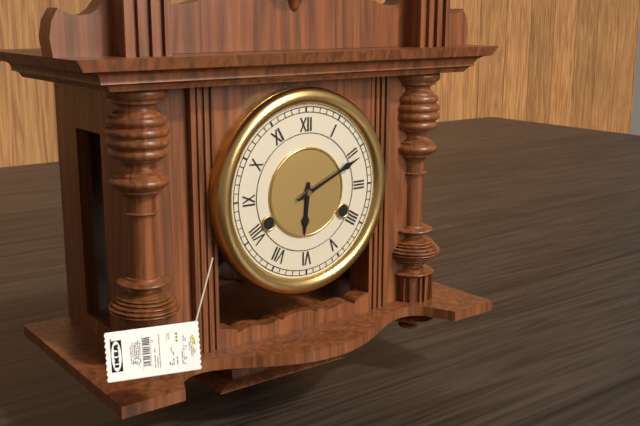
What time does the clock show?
6:11
